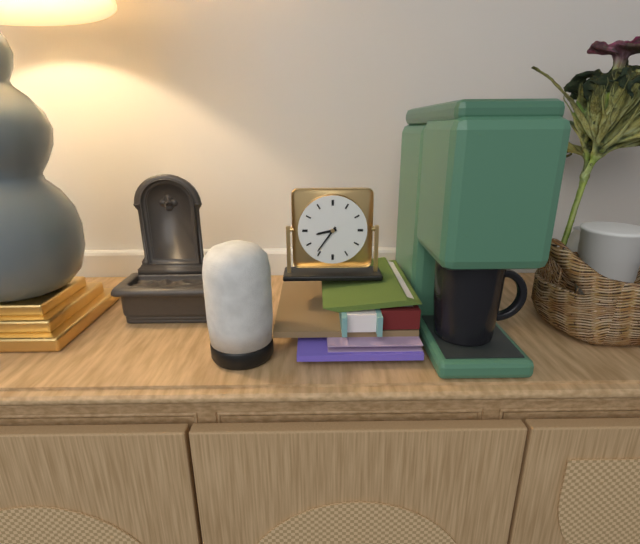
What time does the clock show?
8:36
